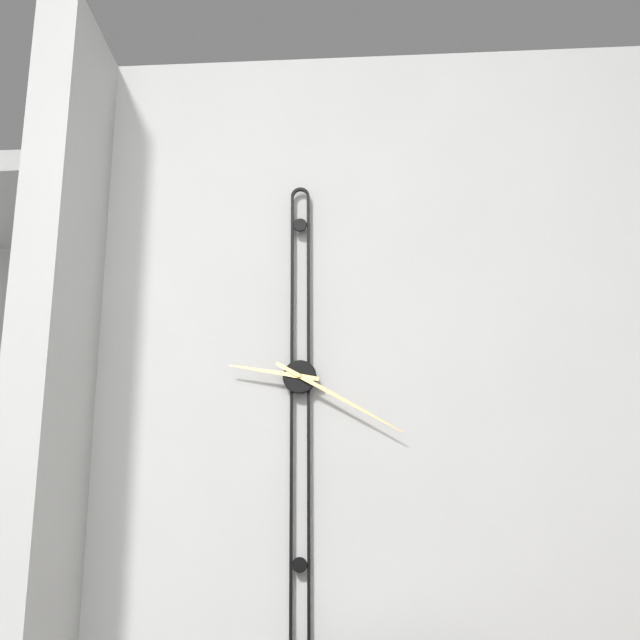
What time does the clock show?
9:20
